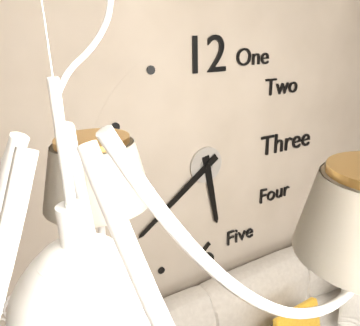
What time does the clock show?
5:39
